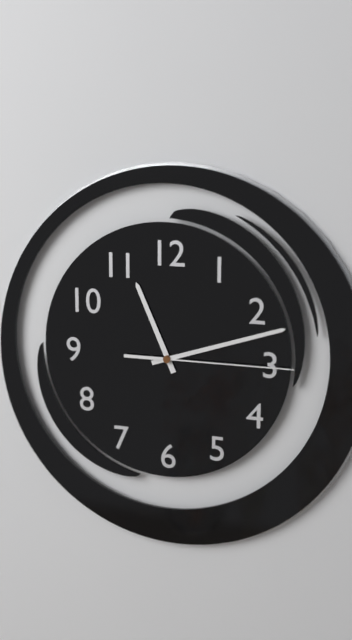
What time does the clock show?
11:12:15
